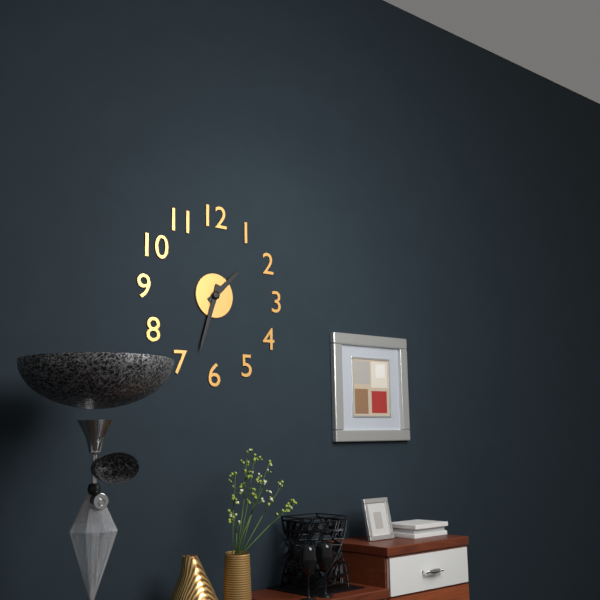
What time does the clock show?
1:33
